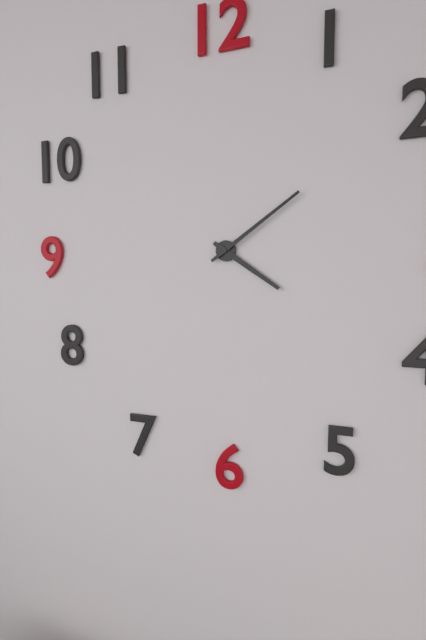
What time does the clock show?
4:09
